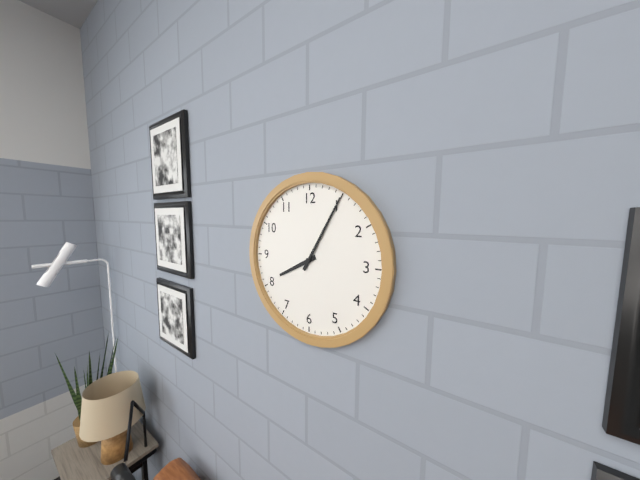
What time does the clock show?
8:05
